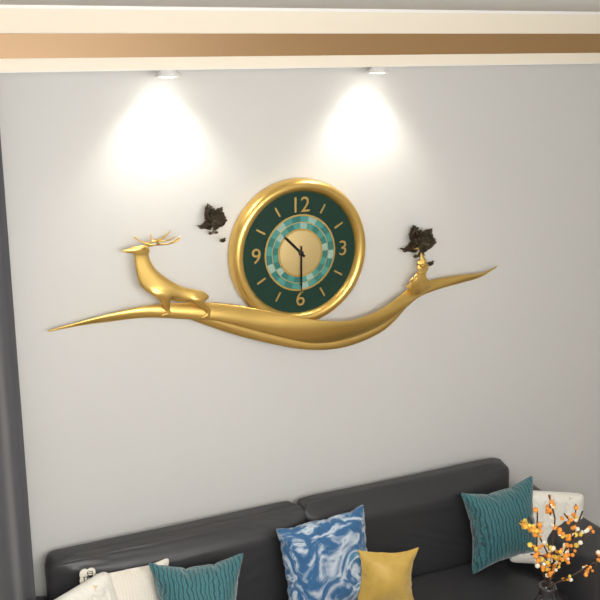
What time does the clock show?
10:30
